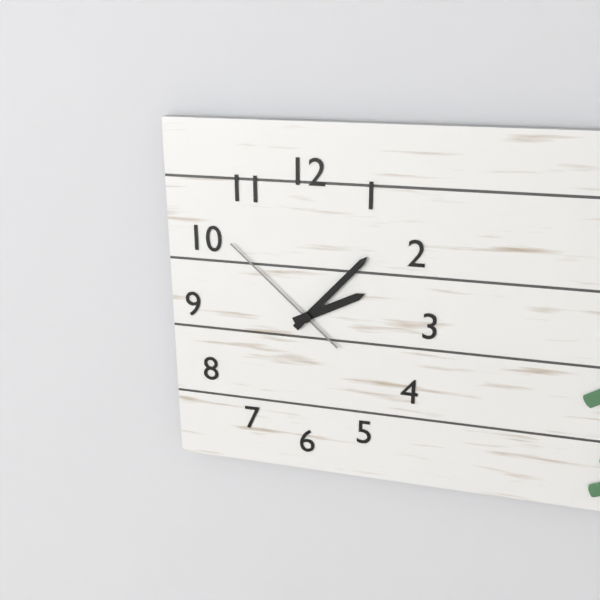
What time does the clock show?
2:07:52
